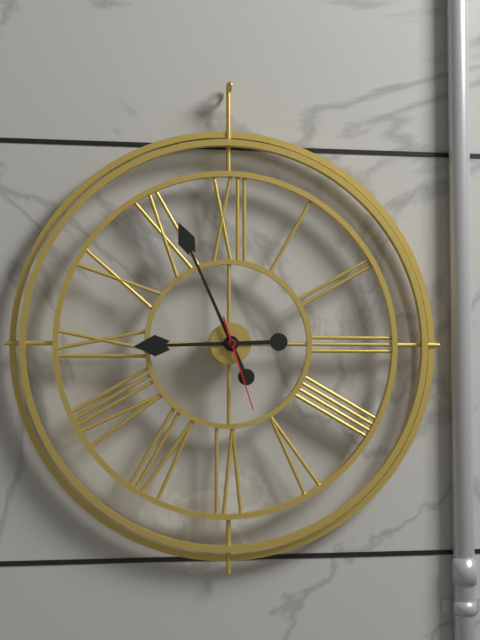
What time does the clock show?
8:56:27
